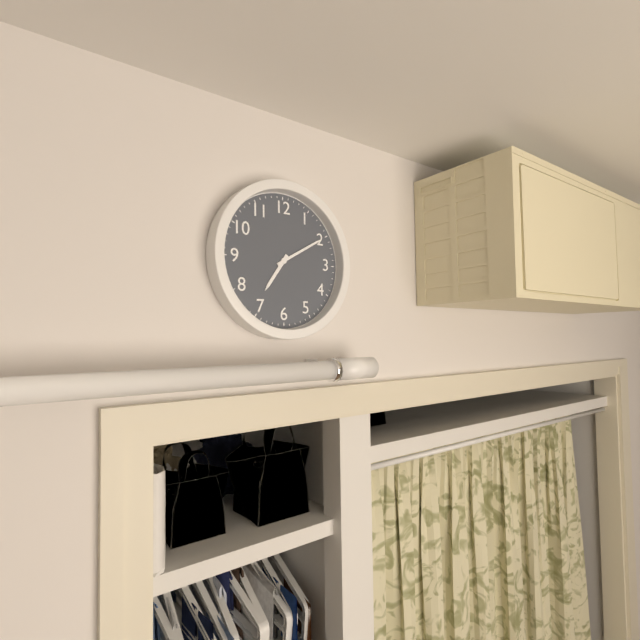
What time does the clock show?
7:10
